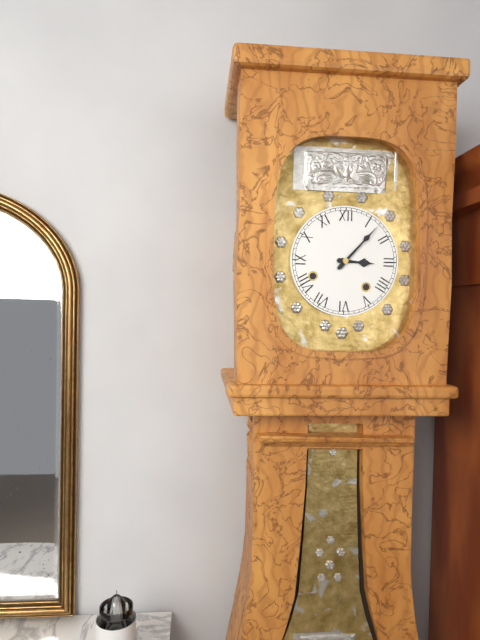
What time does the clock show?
3:07
